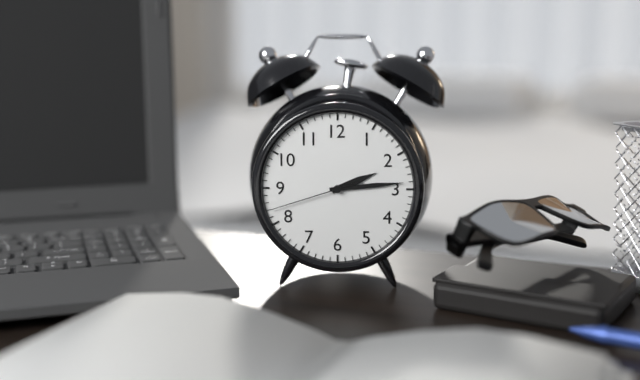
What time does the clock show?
2:14:42
